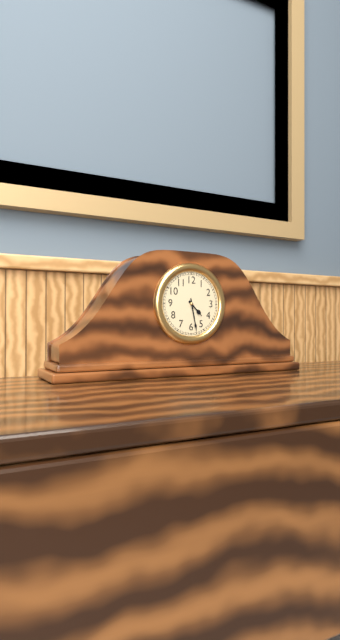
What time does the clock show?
4:28
